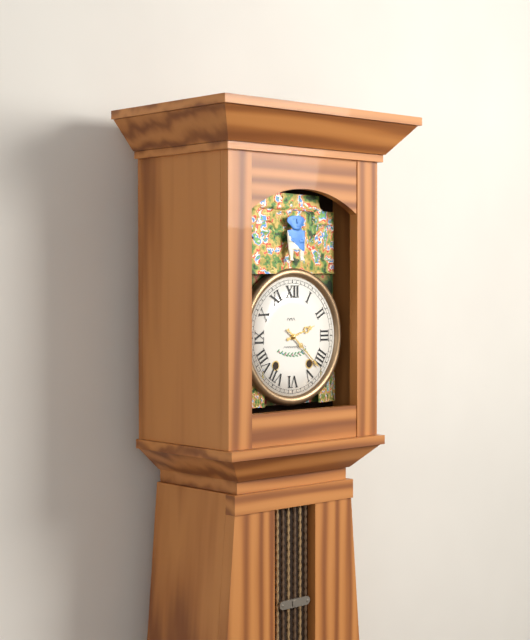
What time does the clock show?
2:22
